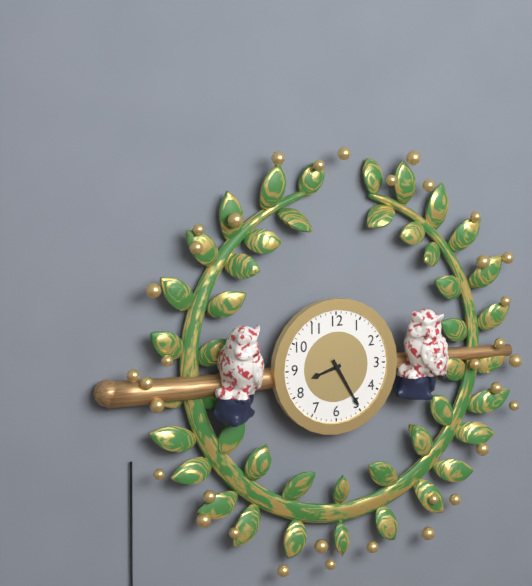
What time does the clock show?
8:25
